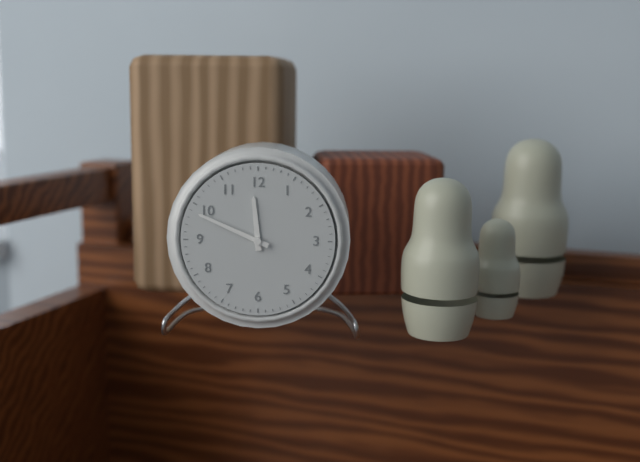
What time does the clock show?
11:49
